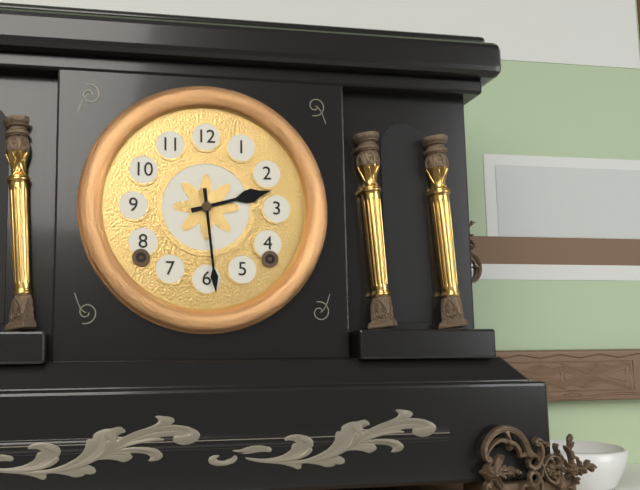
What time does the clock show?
2:29
